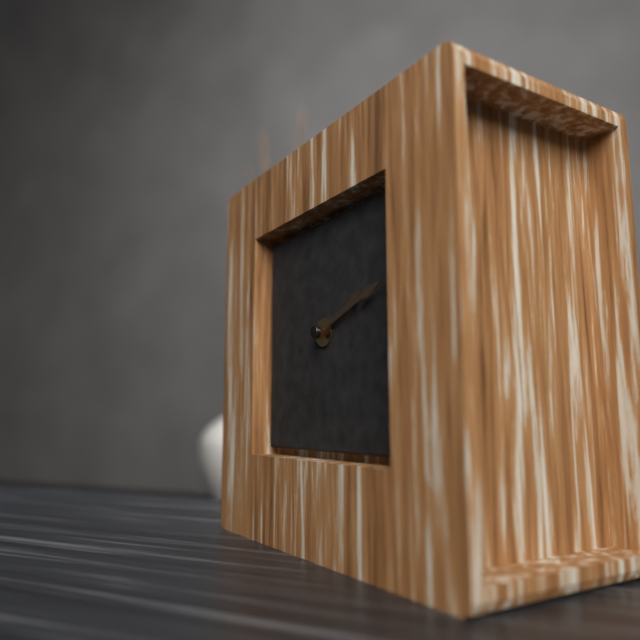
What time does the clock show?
2:12
